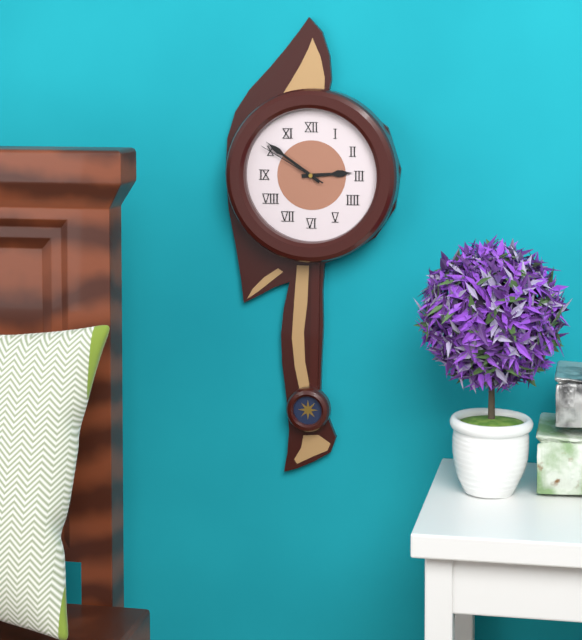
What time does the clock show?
2:51:50
